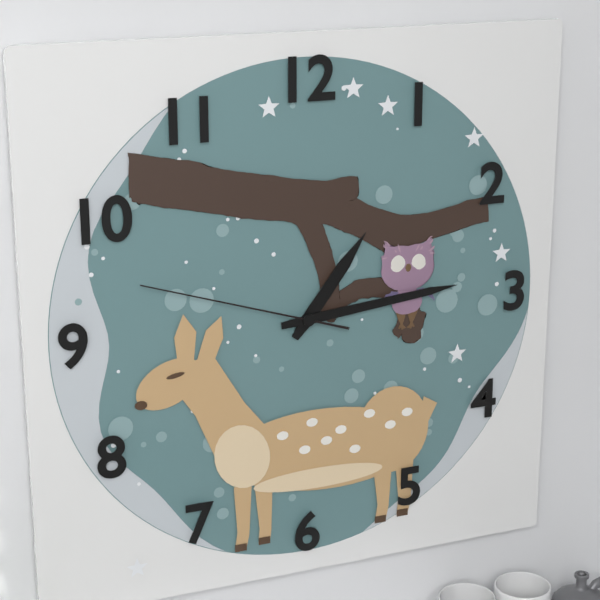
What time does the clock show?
1:14:48
